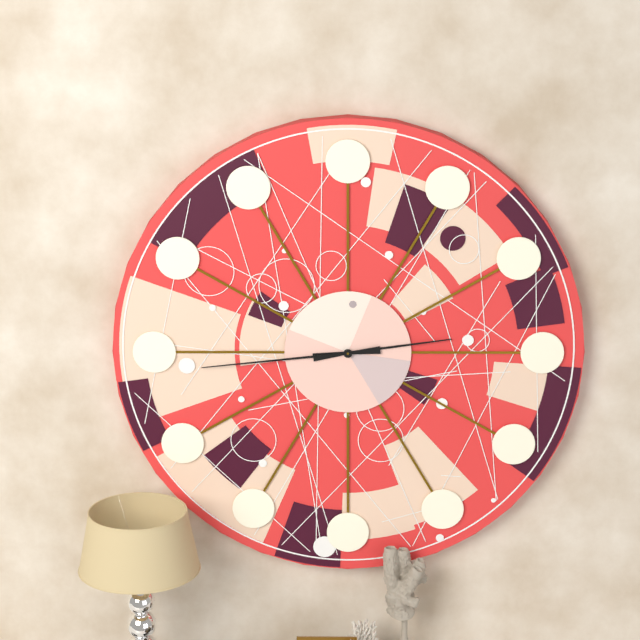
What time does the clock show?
2:44
